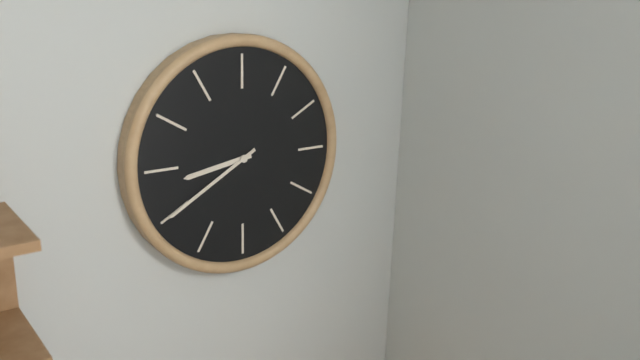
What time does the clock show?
8:40
